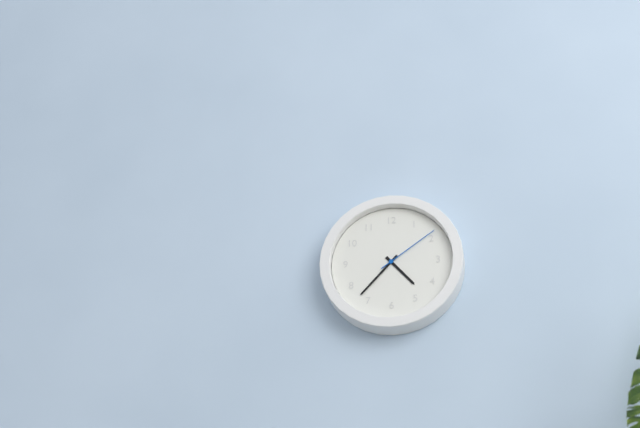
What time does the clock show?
4:37:09
